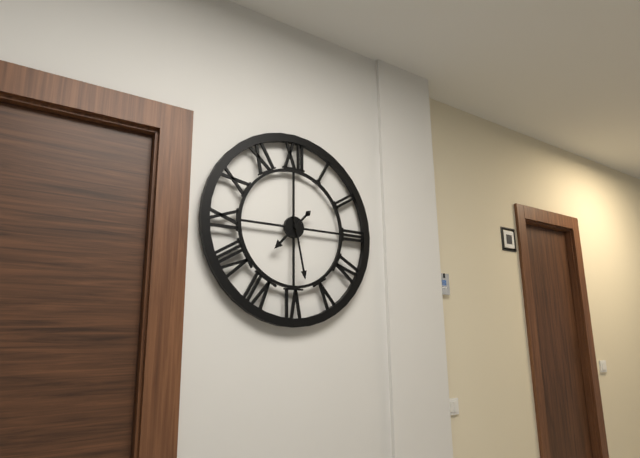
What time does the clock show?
7:28
